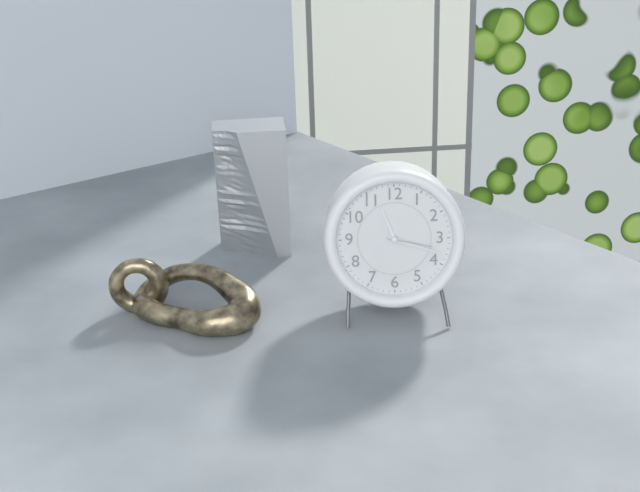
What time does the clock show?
11:18
